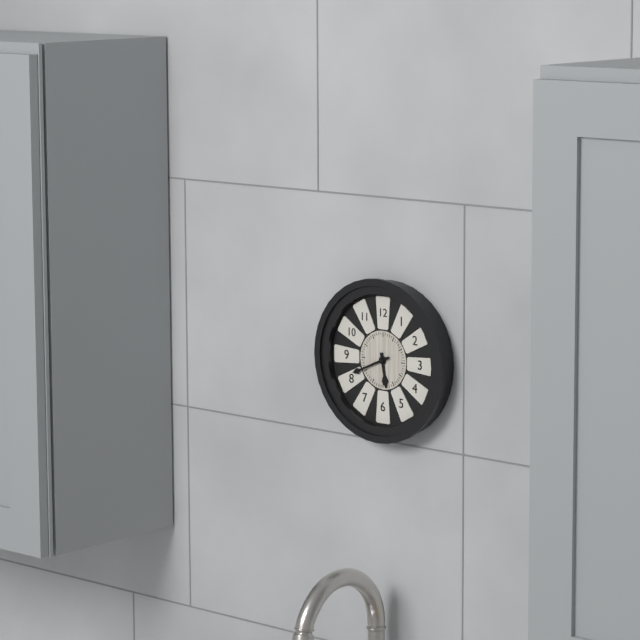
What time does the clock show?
5:41
